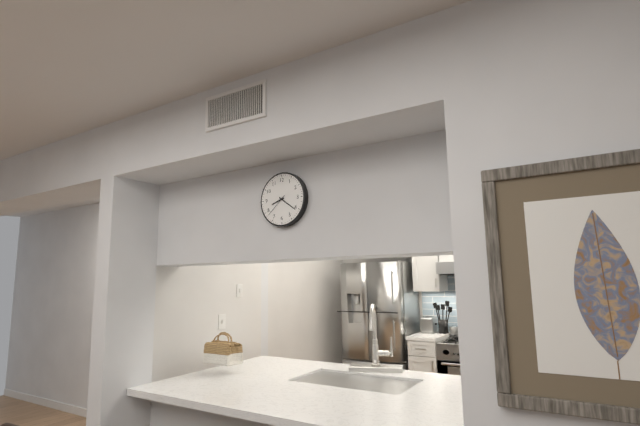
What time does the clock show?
8:21
